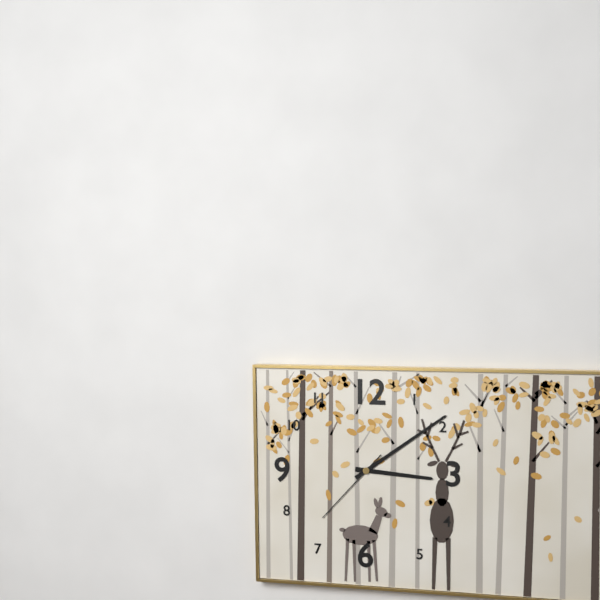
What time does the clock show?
3:09:37
